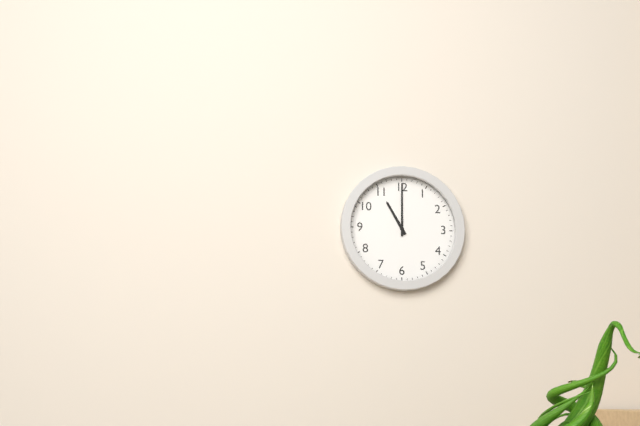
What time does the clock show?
11:00
